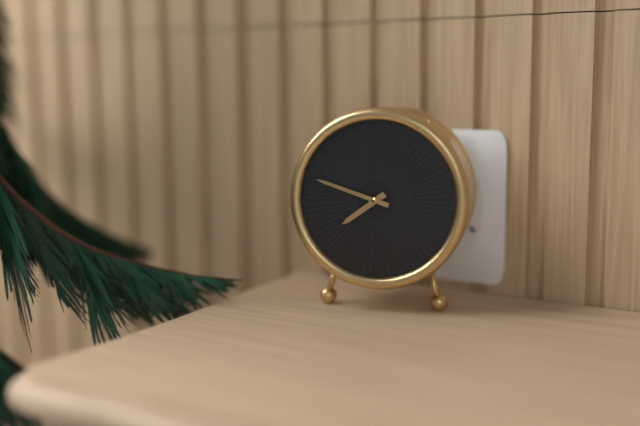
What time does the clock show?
7:48
